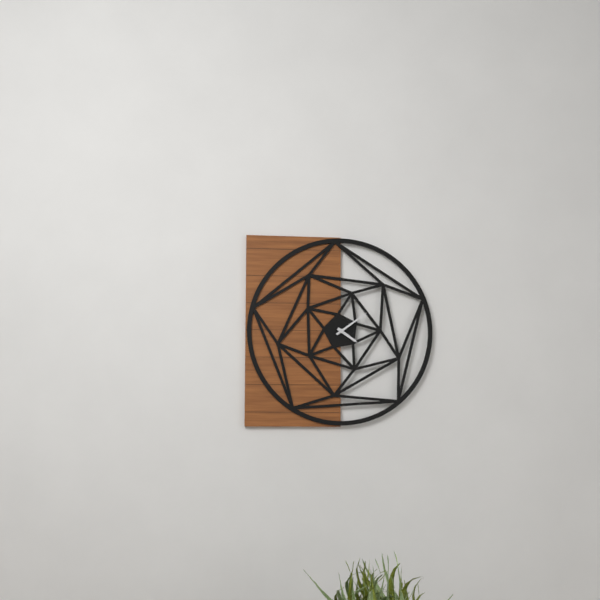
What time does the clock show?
4:09
